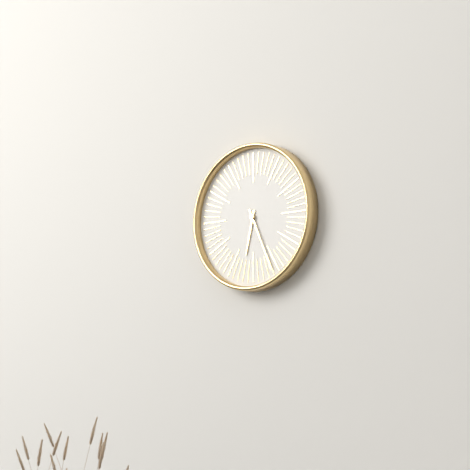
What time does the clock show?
6:26
